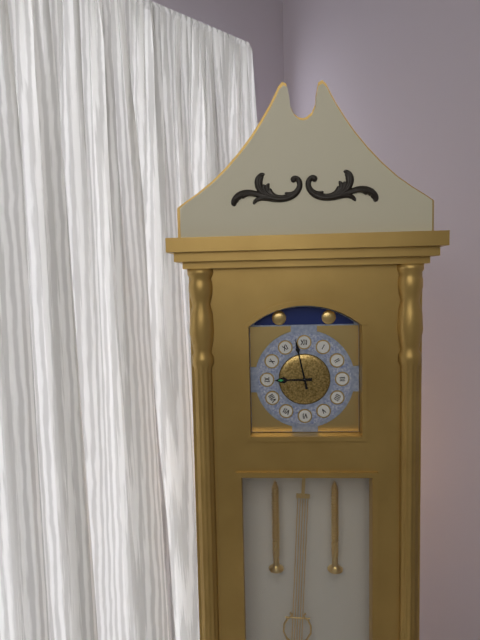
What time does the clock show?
8:58
